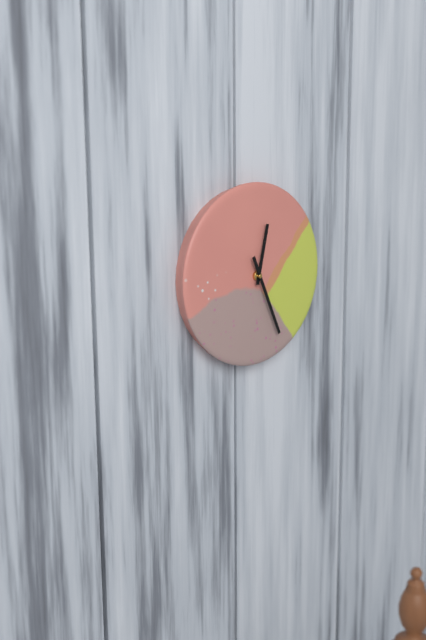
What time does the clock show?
12:26
